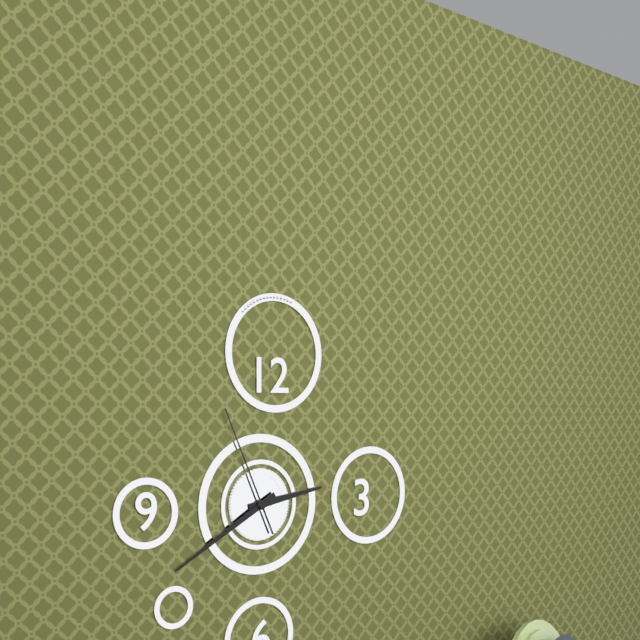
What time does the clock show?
2:40:56
